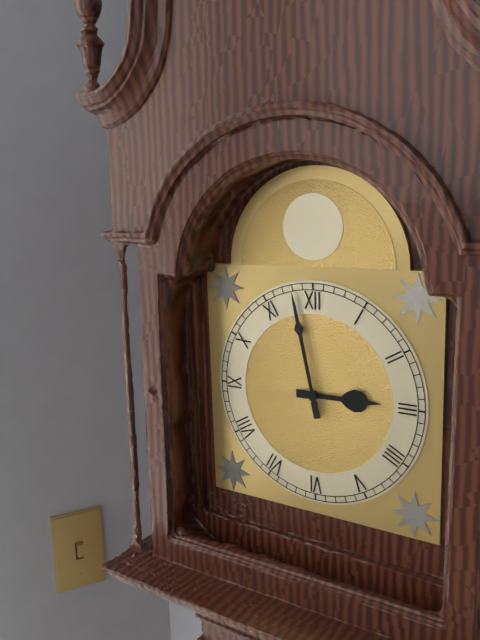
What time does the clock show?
2:58
